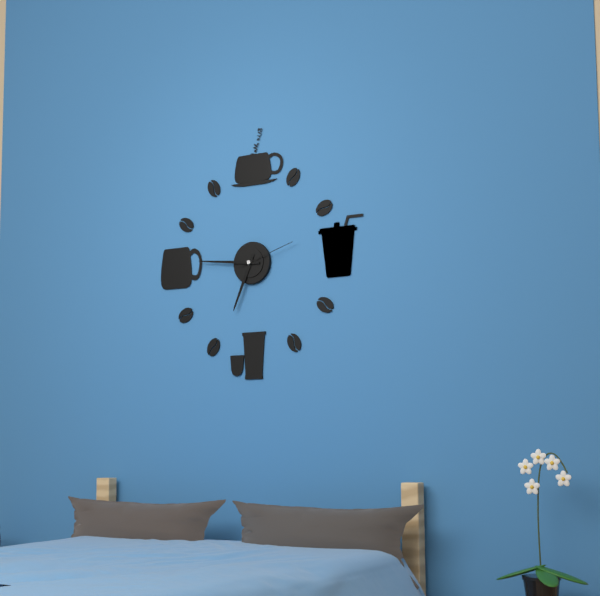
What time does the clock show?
6:46:12
